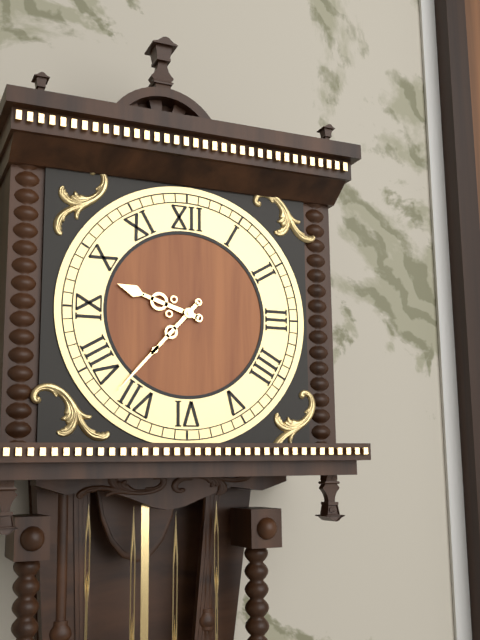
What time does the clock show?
9:37
